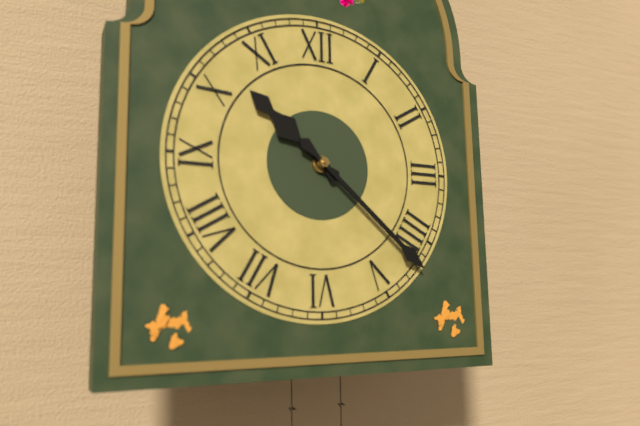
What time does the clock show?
10:22
